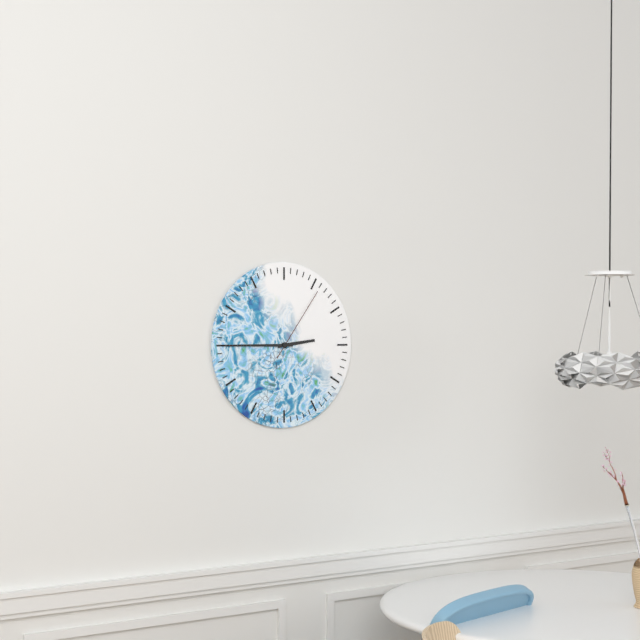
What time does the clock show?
2:45:06
